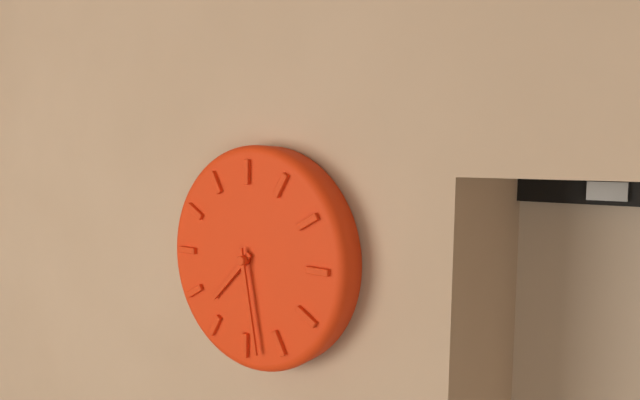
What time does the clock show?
7:28
